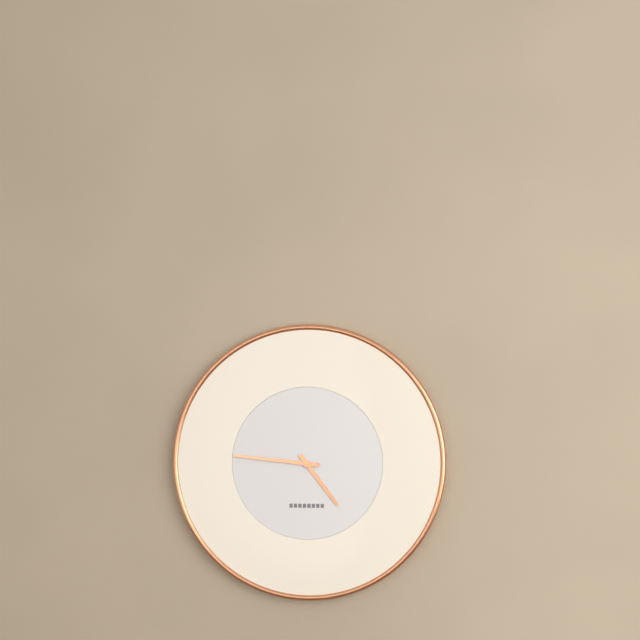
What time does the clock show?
4:46
